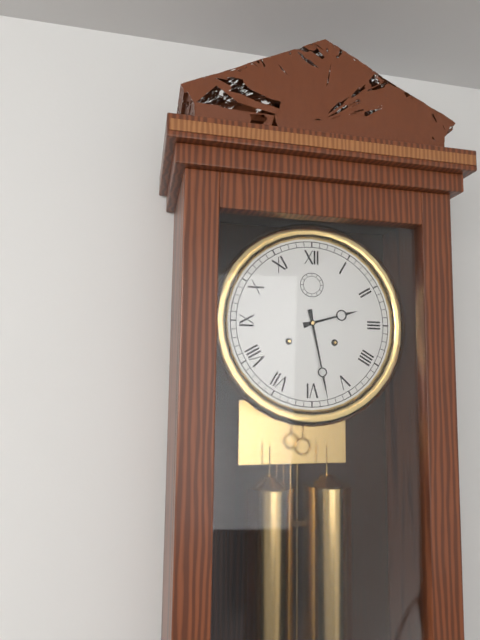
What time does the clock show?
2:28
